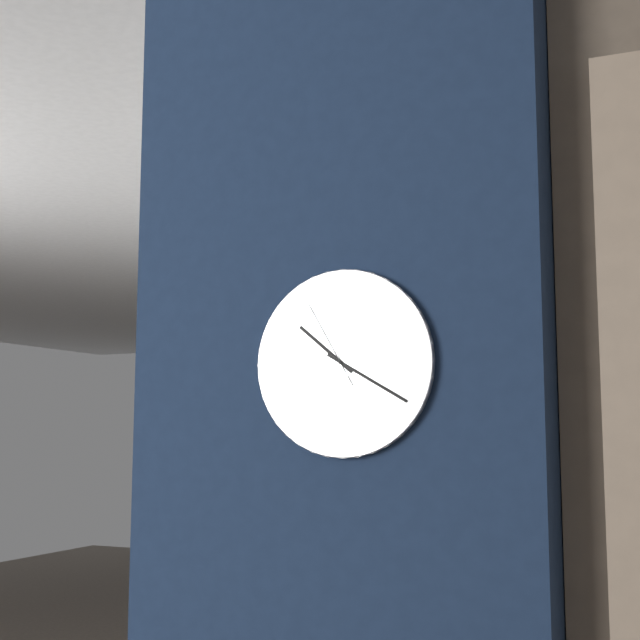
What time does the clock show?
10:20:55
